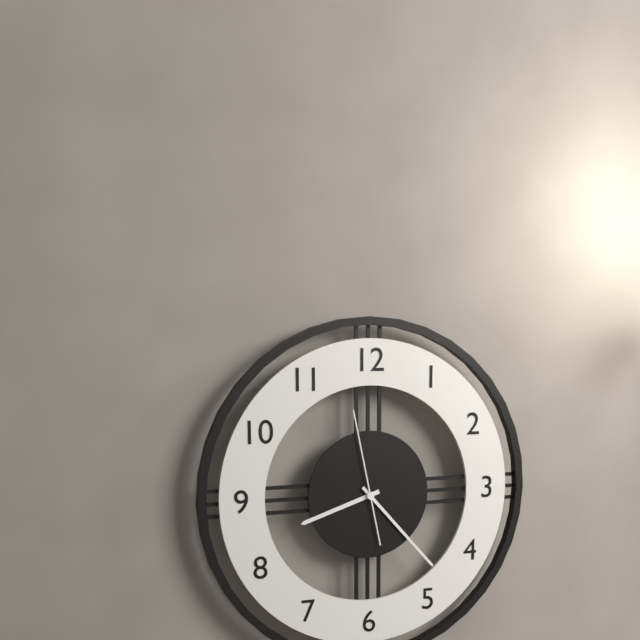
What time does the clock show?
8:23:58
